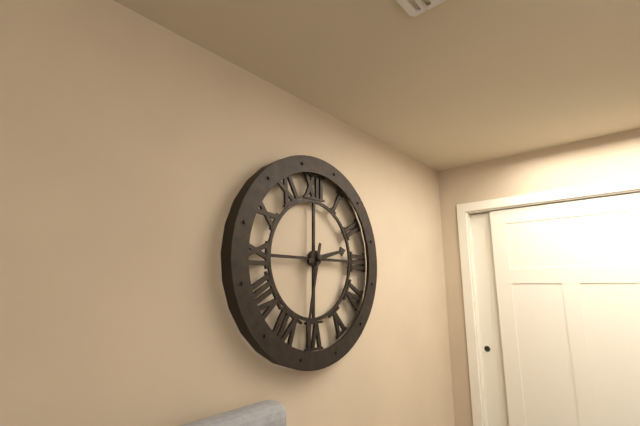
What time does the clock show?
2:32
